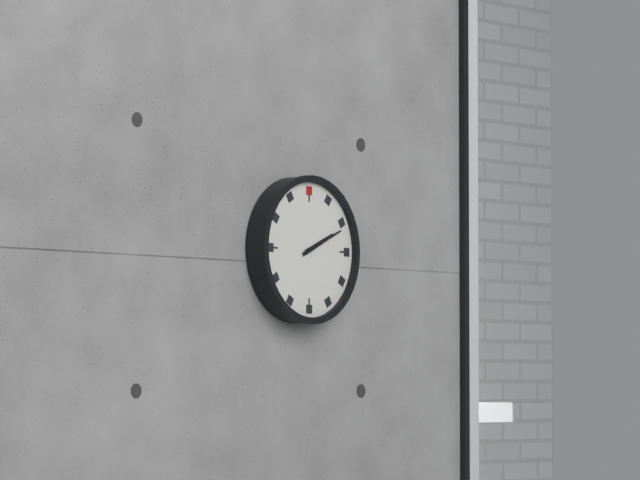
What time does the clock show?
2:11
